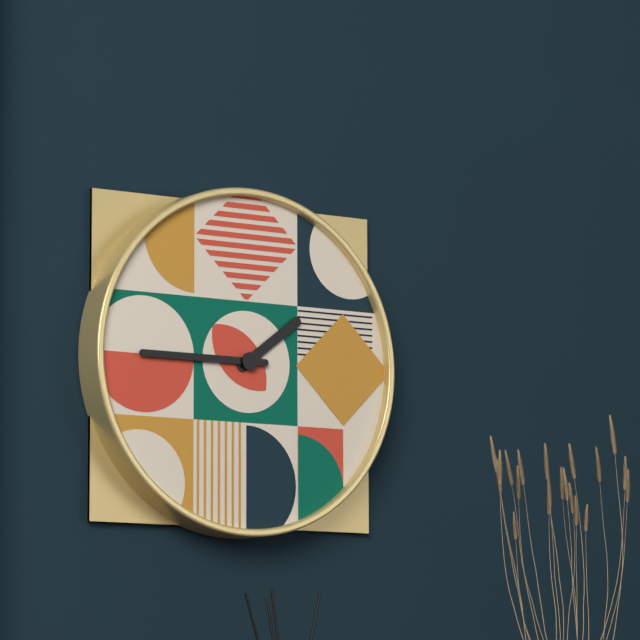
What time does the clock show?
1:45
